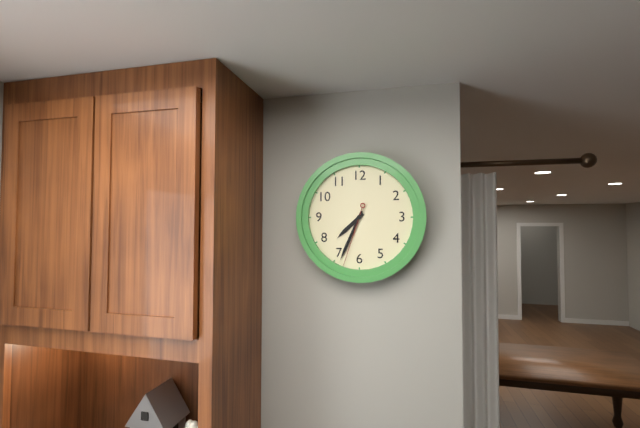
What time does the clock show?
7:34:33
